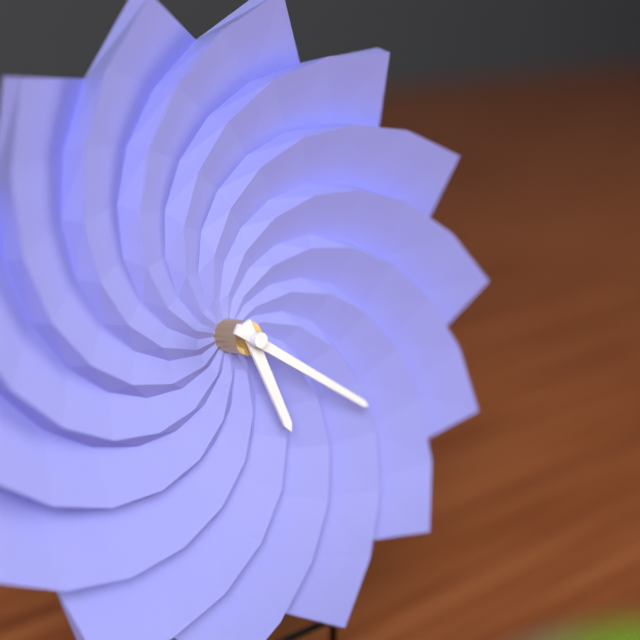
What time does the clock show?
5:21
